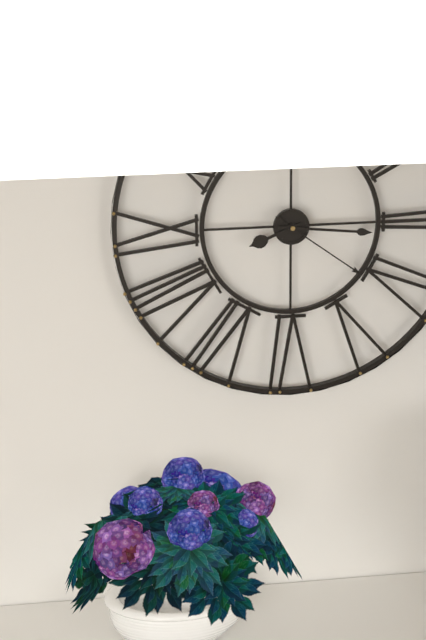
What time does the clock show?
8:16:21
